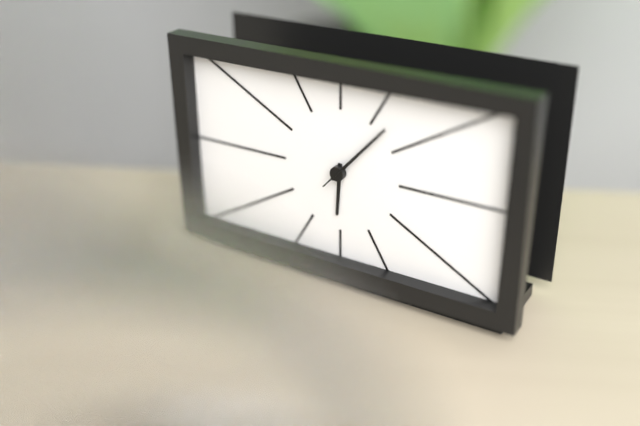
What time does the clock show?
6:07:07
